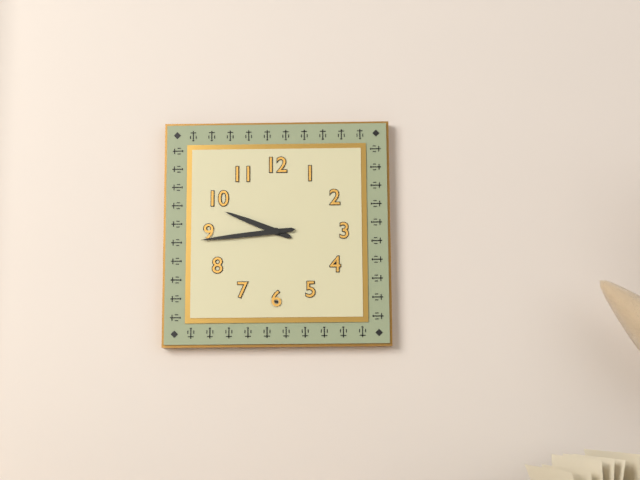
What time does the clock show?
9:44
